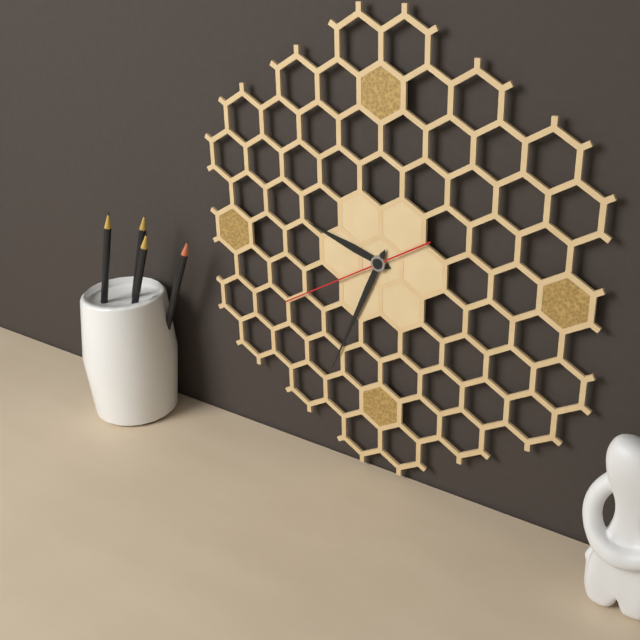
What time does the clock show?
9:34:40
